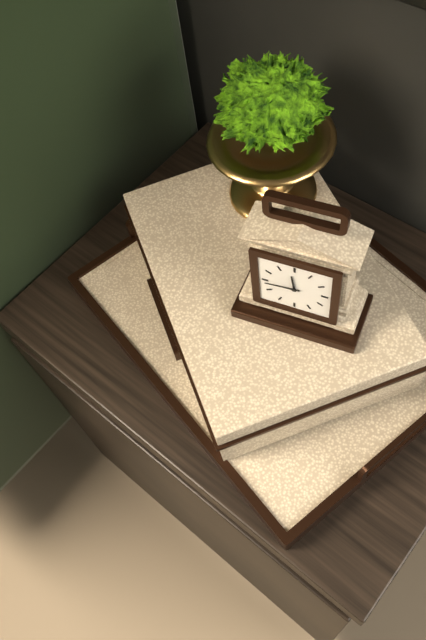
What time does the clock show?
11:44
